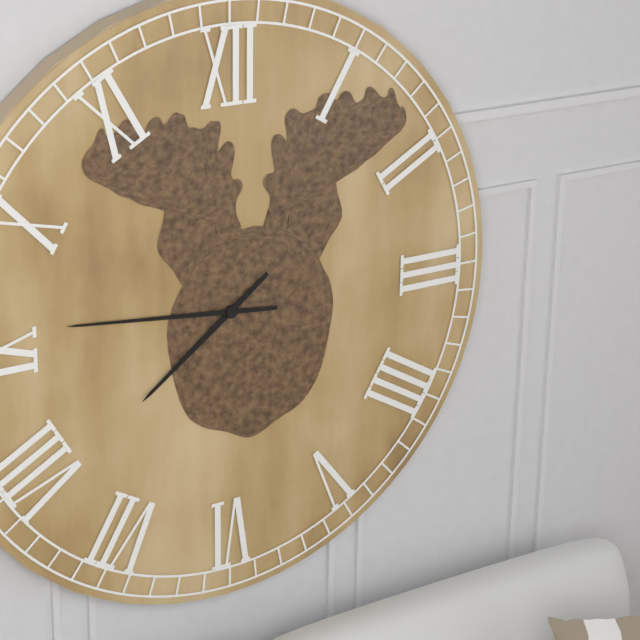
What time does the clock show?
7:46
